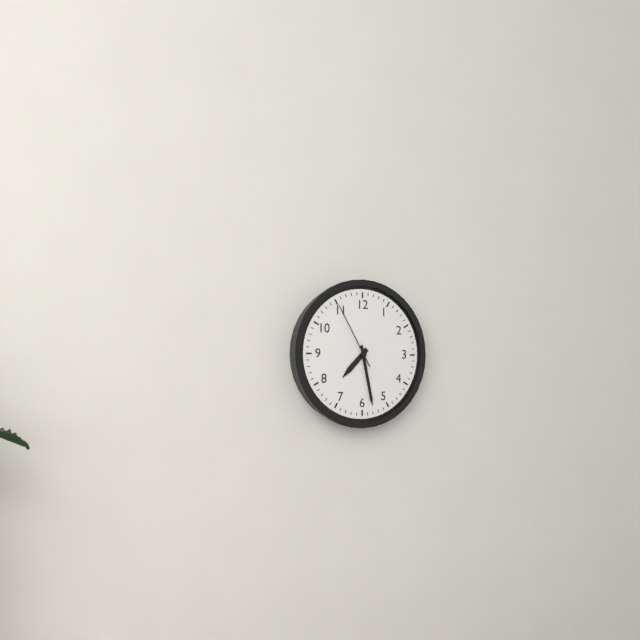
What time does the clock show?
7:28:55
